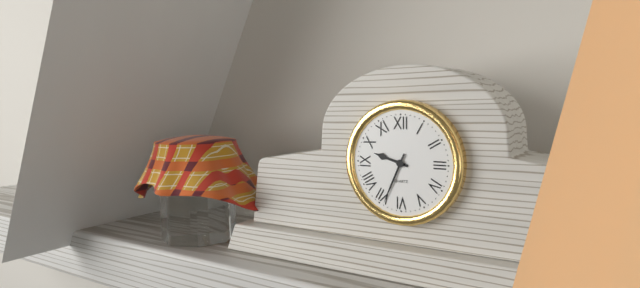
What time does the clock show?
9:34
